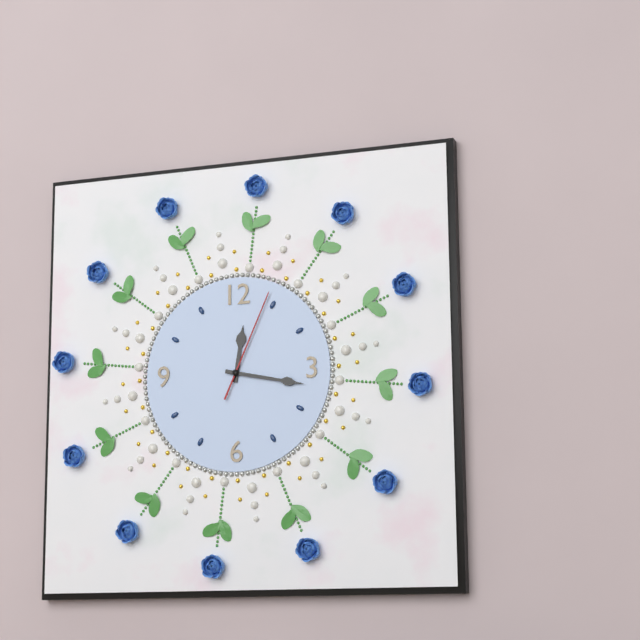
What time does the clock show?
12:17:04
